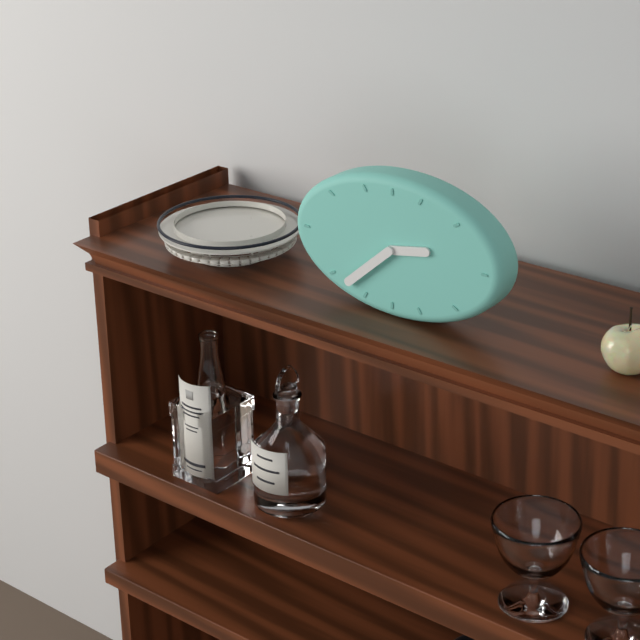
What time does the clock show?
2:38
